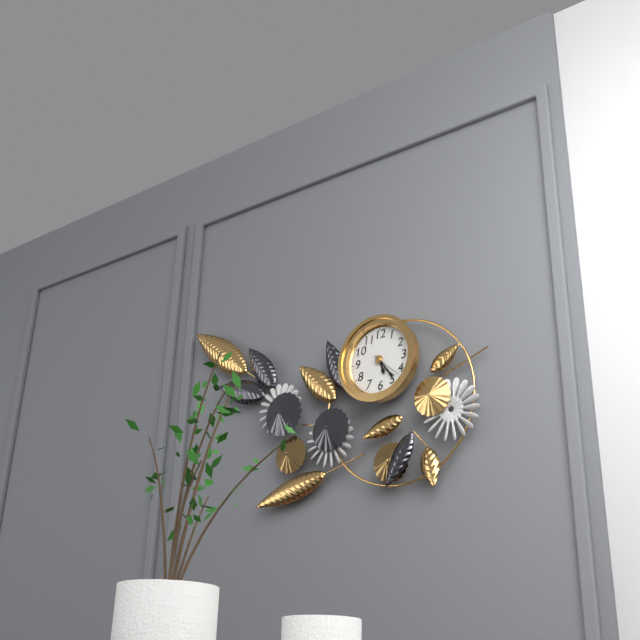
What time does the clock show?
5:24
